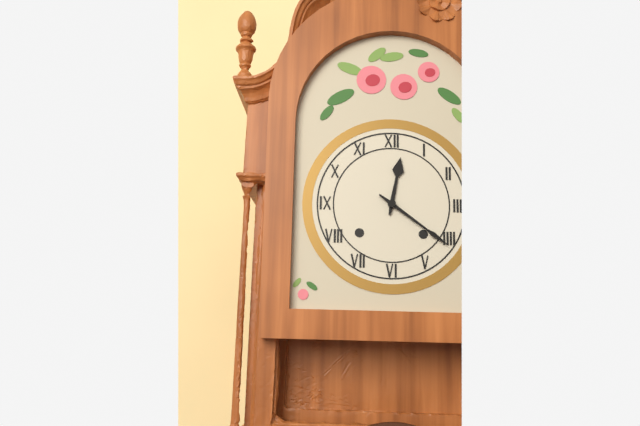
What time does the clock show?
12:21
